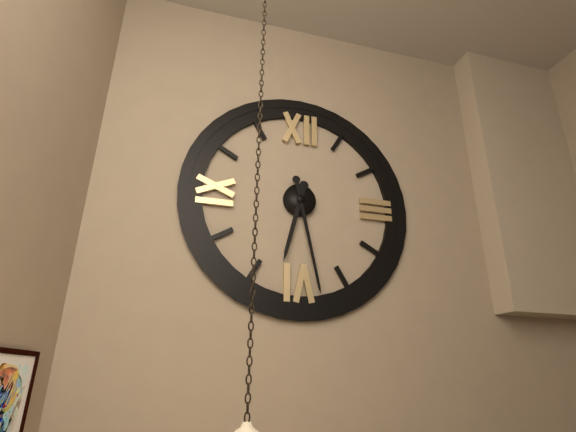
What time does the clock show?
6:28
